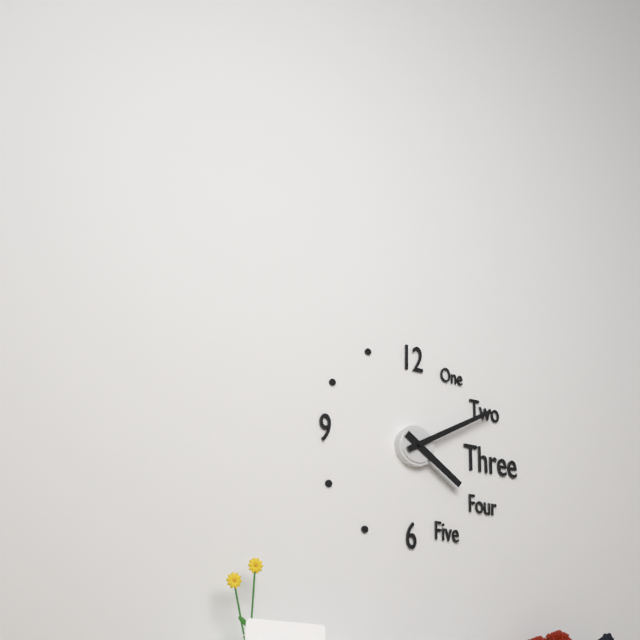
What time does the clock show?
4:10
